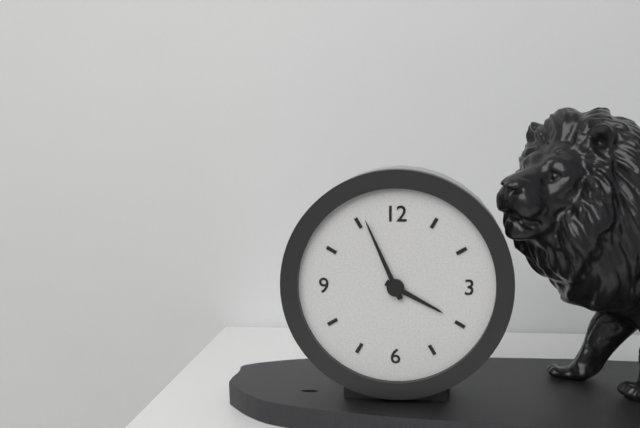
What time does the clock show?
3:56
